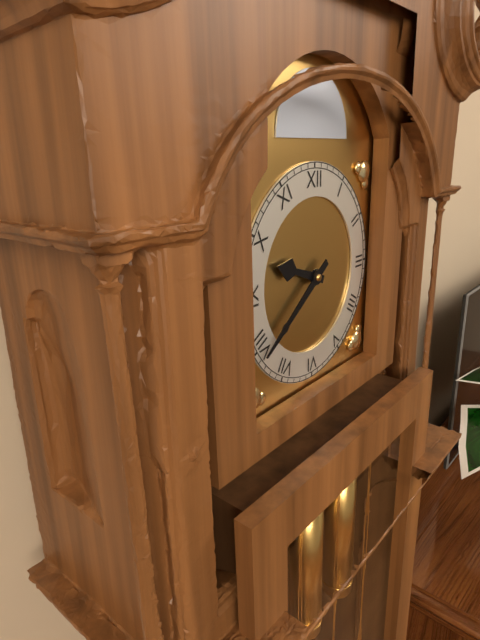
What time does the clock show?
9:39
